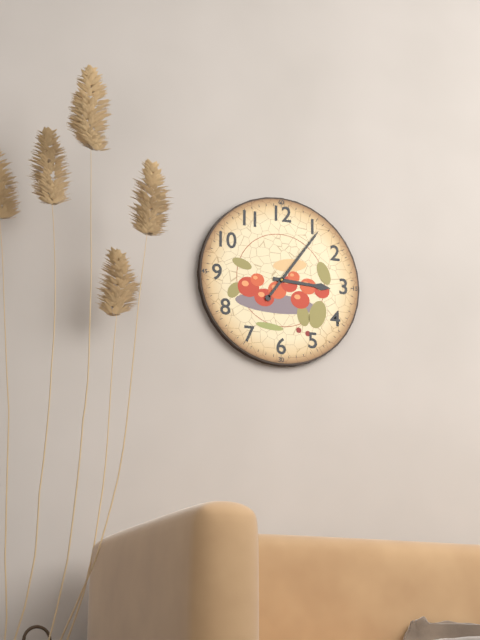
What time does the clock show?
3:06
